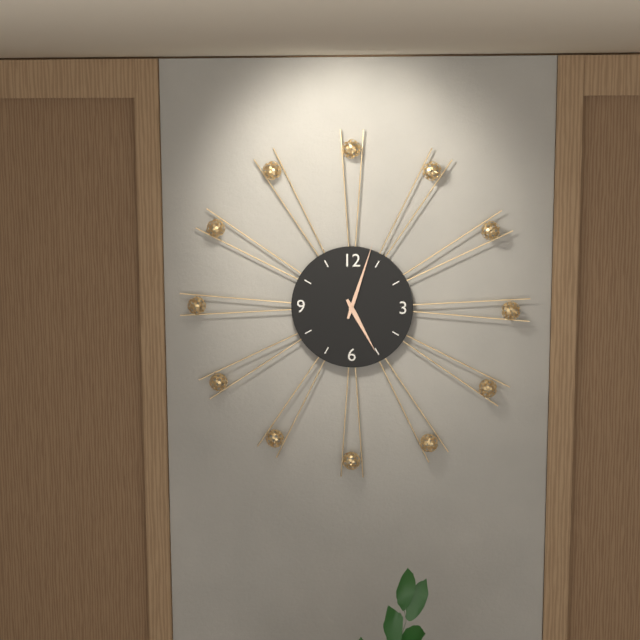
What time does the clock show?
5:03
